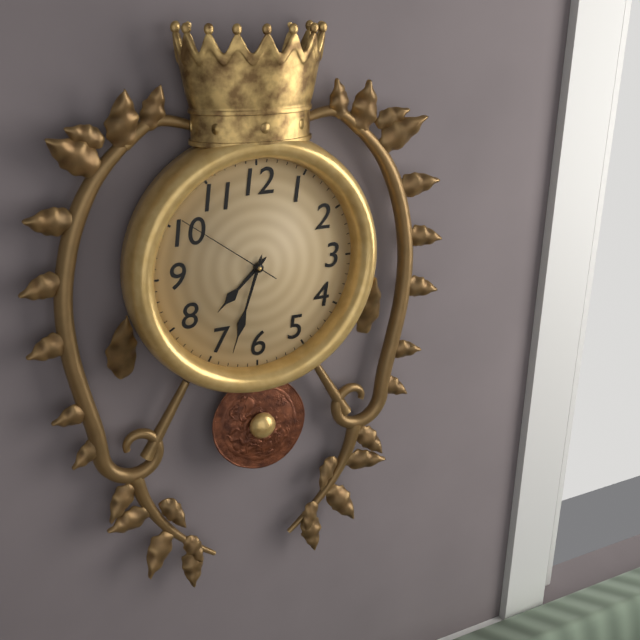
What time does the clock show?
7:33:51
